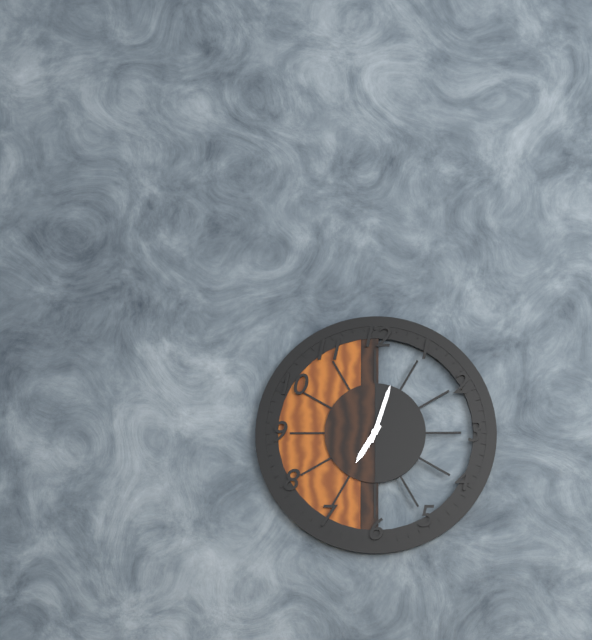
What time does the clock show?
7:03
